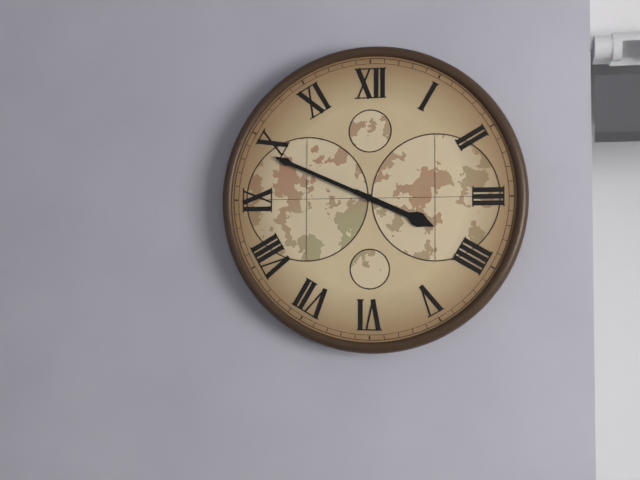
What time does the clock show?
3:49
